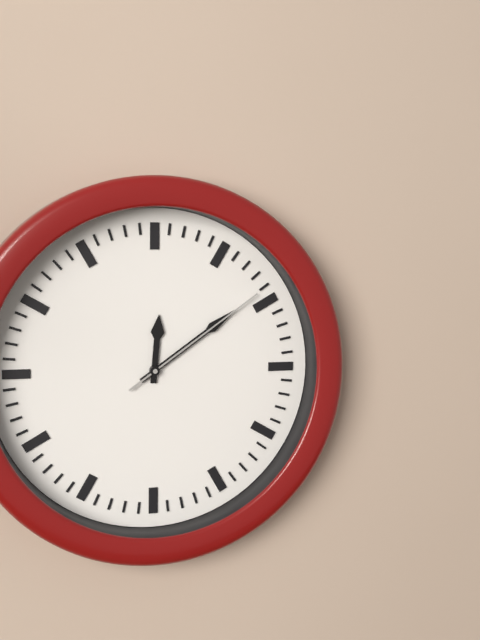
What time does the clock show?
12:09:09
